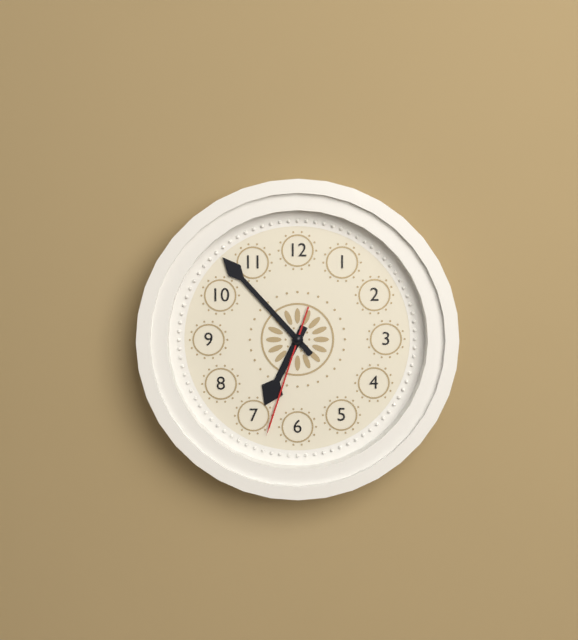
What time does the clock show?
6:53:33
